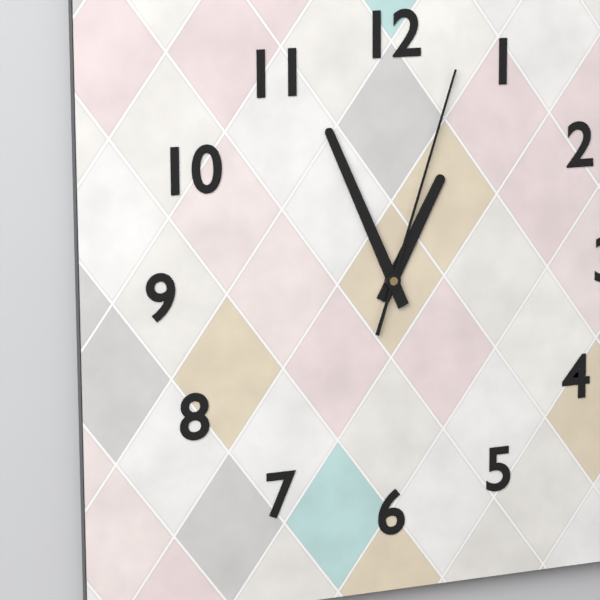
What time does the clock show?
12:56:03
